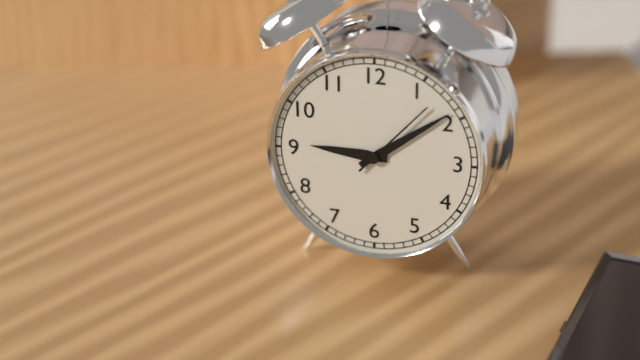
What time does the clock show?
9:09:07
